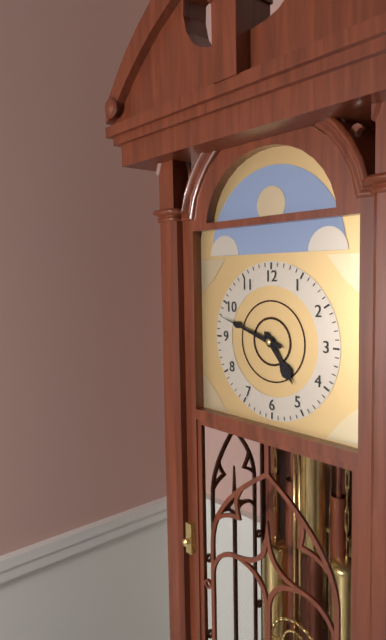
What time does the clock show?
4:48
